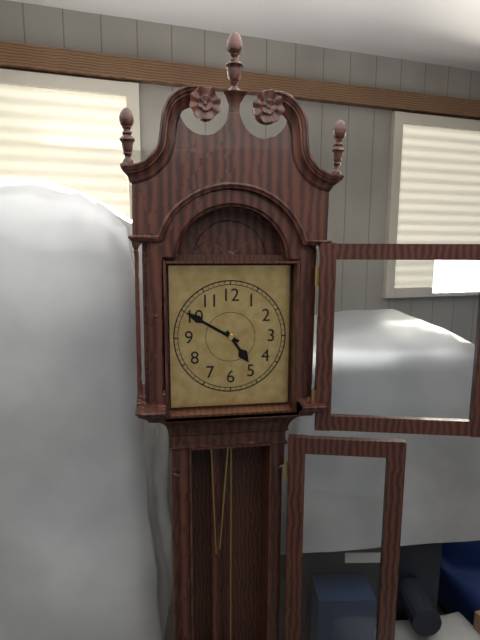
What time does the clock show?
4:50
